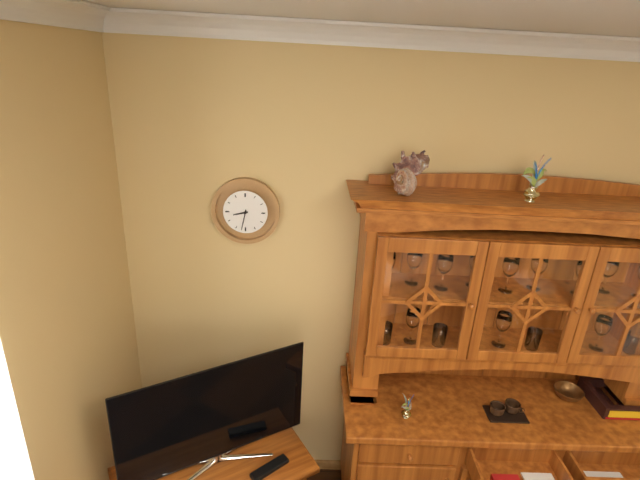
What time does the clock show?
8:32
